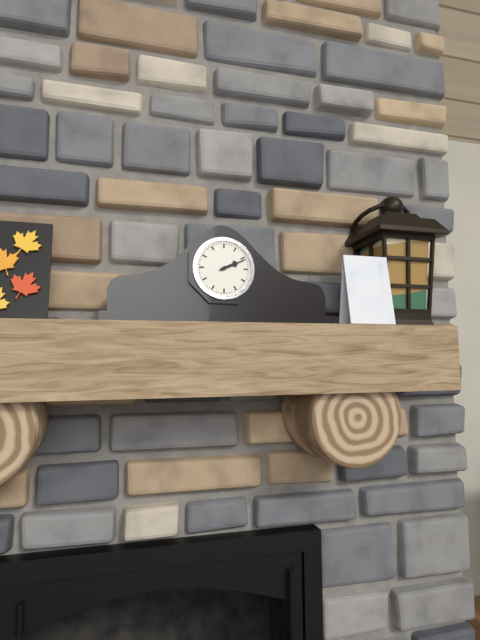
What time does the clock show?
2:11
